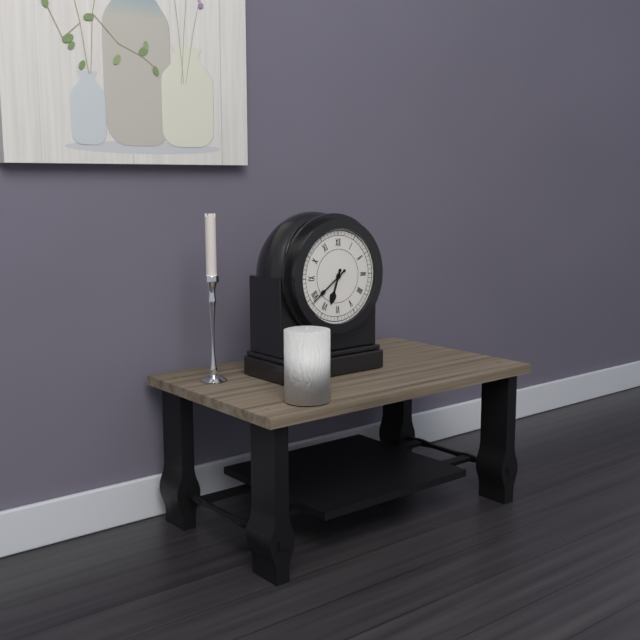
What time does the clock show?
6:39
